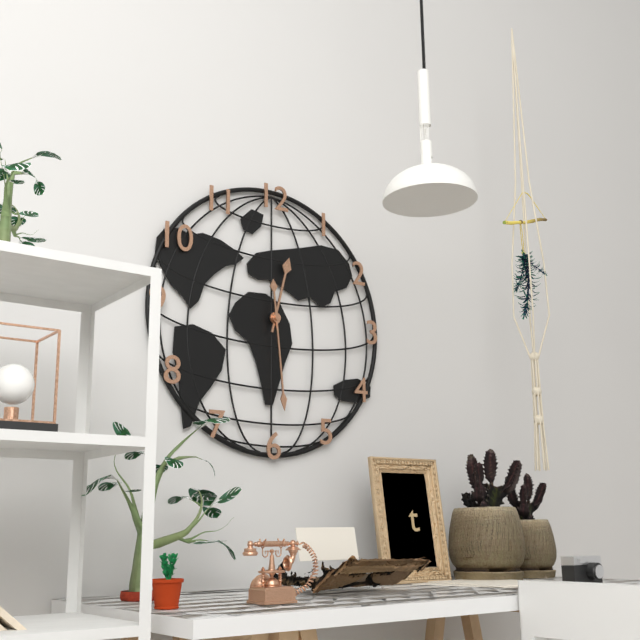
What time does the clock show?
12:29
